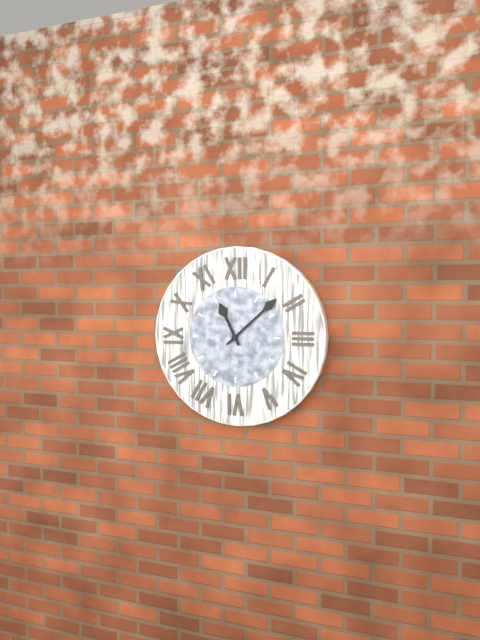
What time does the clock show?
11:08
